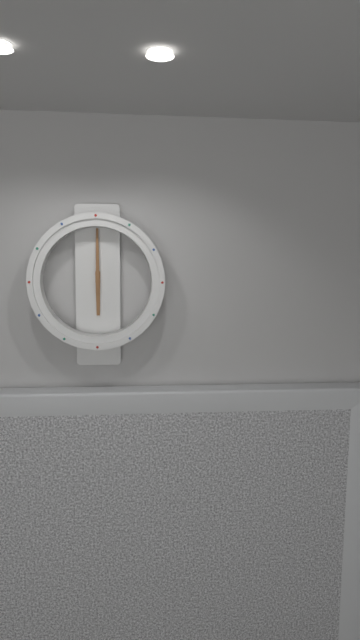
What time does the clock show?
6:00
